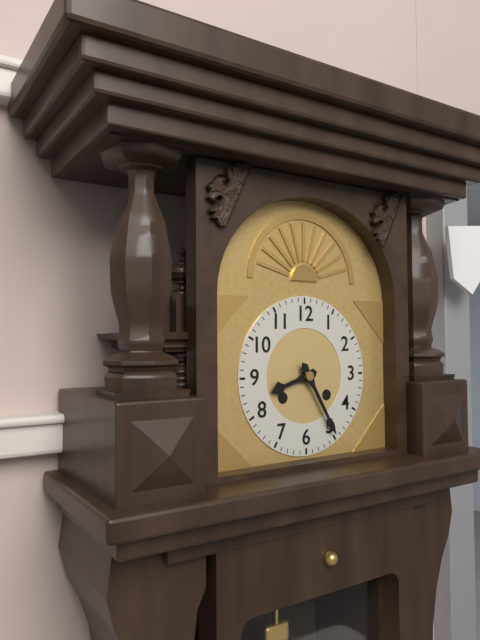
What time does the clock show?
8:25
